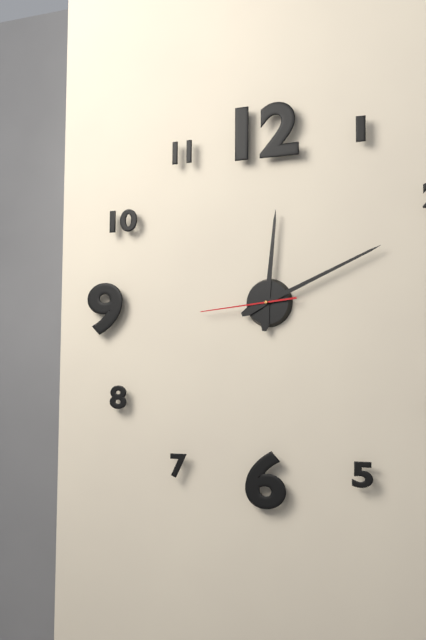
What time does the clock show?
12:11:44
